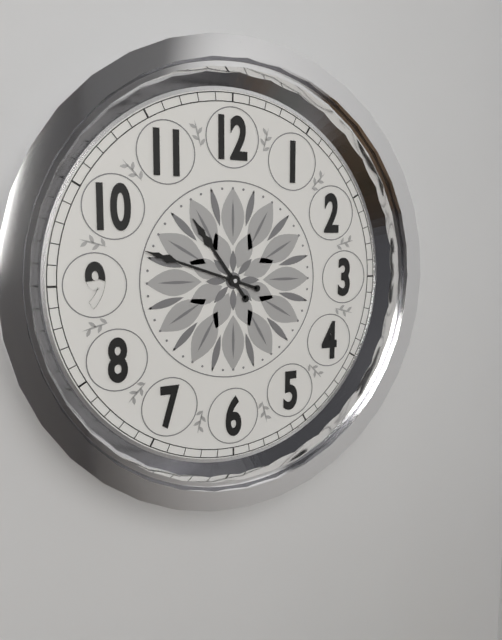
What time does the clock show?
10:48
